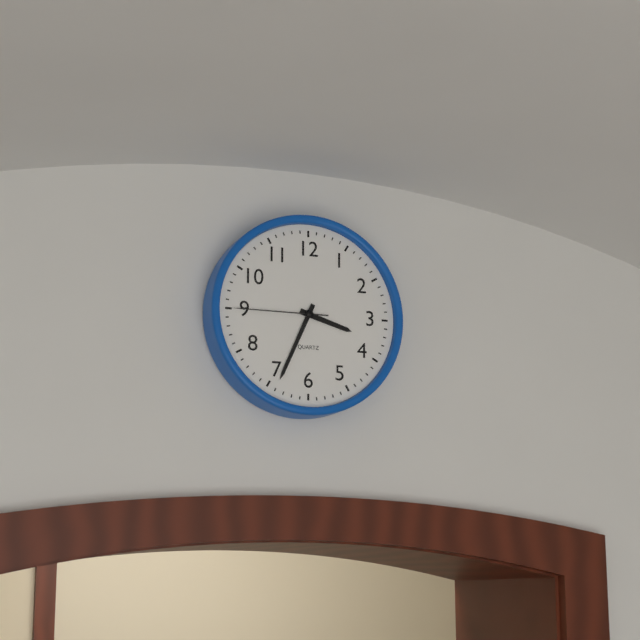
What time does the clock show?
3:34:45
